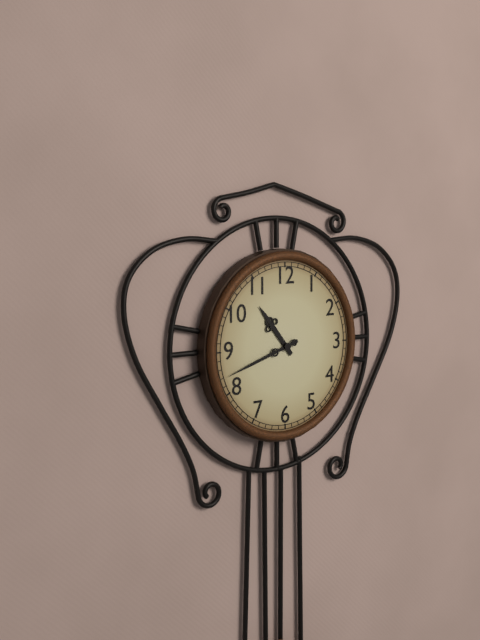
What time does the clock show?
10:42
